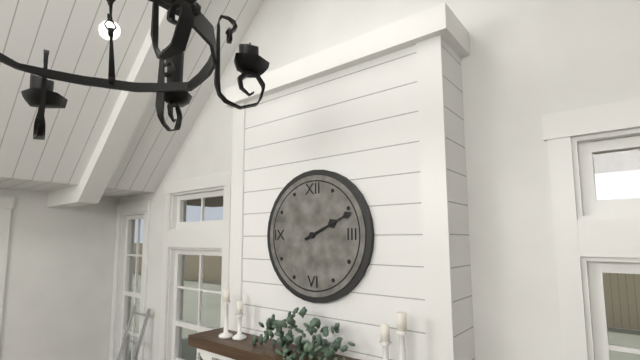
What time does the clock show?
2:11
